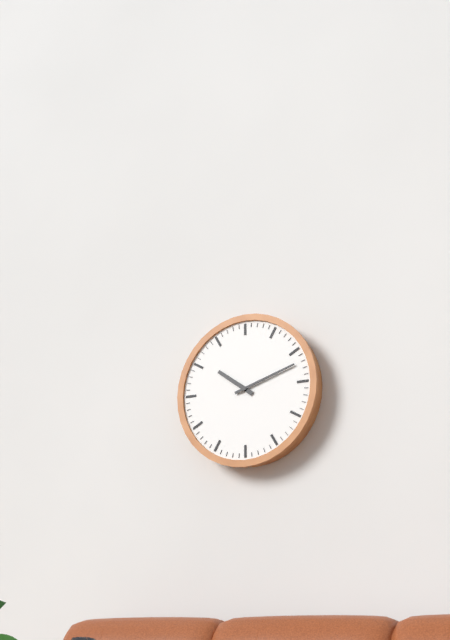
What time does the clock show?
10:12
